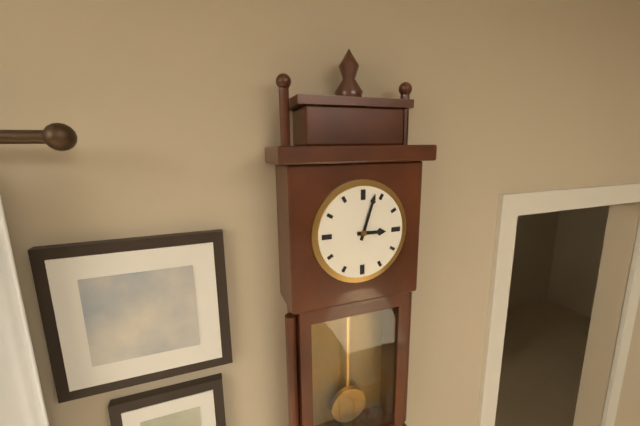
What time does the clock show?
3:03
